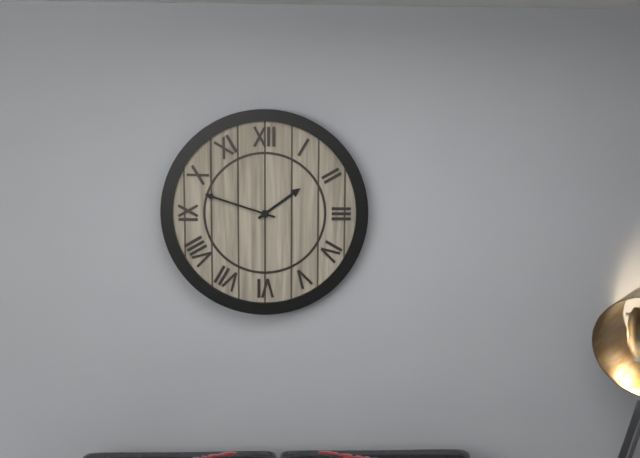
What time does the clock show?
1:48
